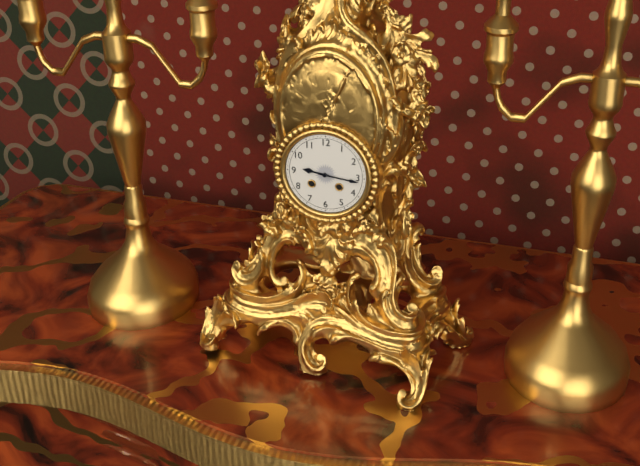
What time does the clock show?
9:16
